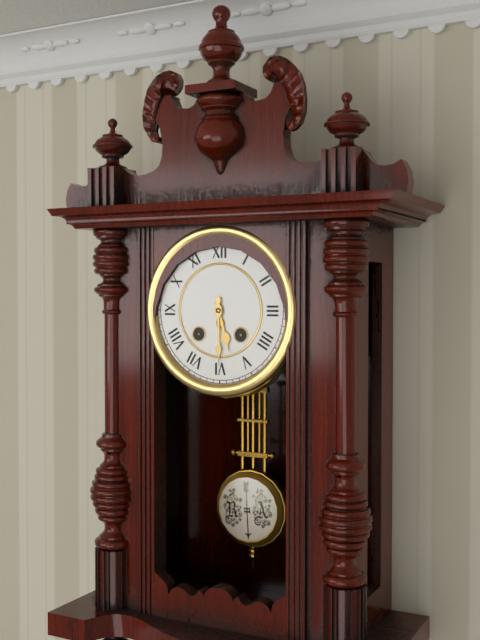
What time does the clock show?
5:30
